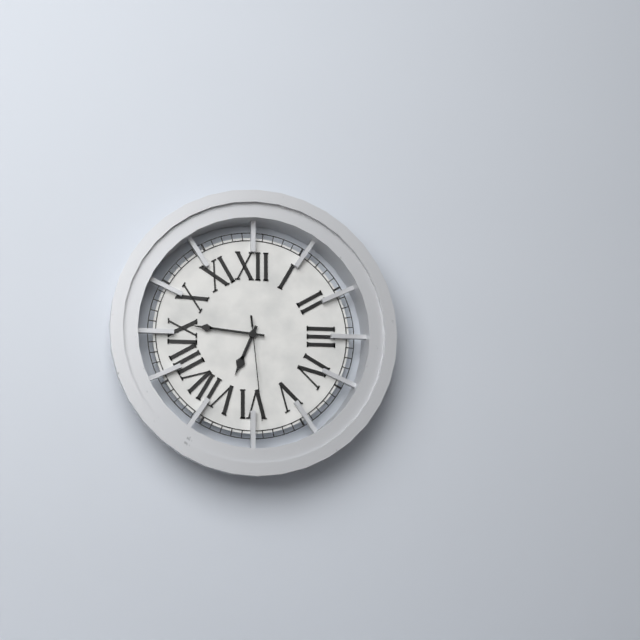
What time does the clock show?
6:46:29
